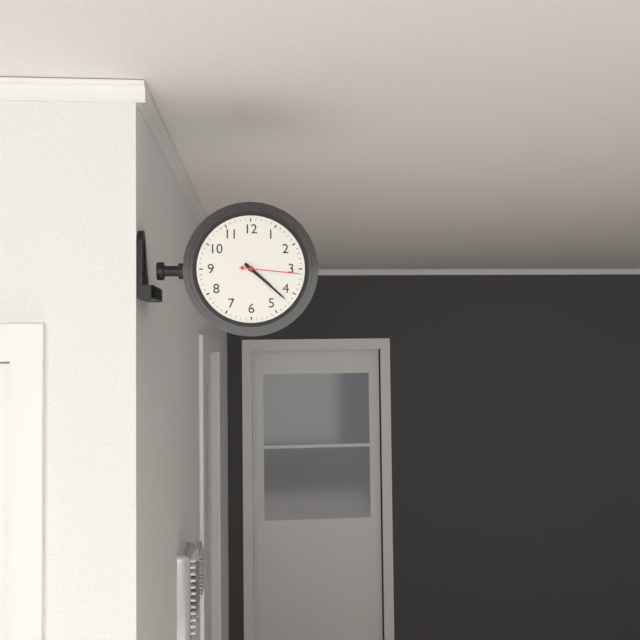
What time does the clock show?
4:22:16
